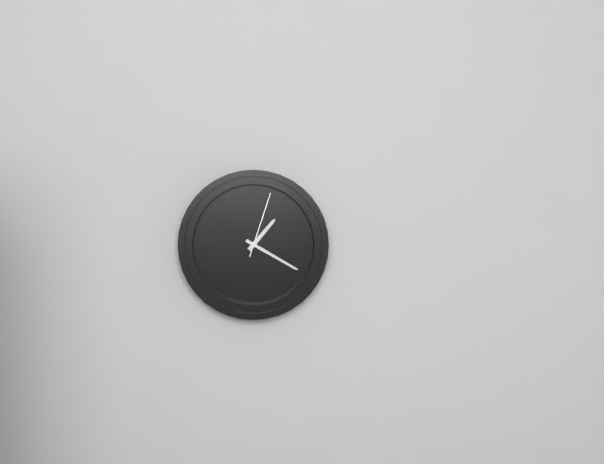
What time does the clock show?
1:20:03
